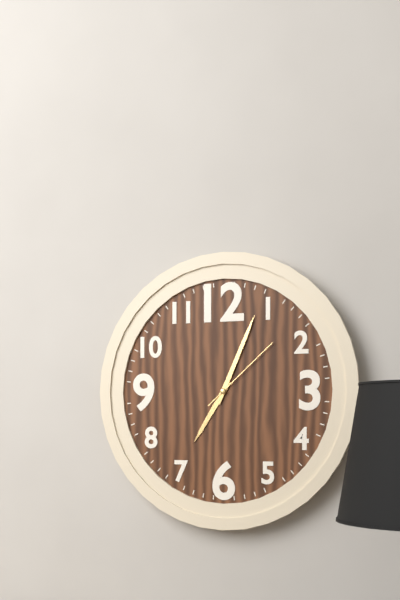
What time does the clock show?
7:04:08
